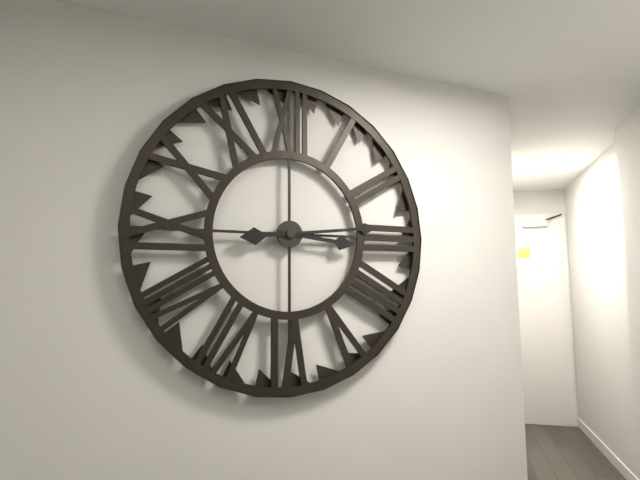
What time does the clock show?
3:14
